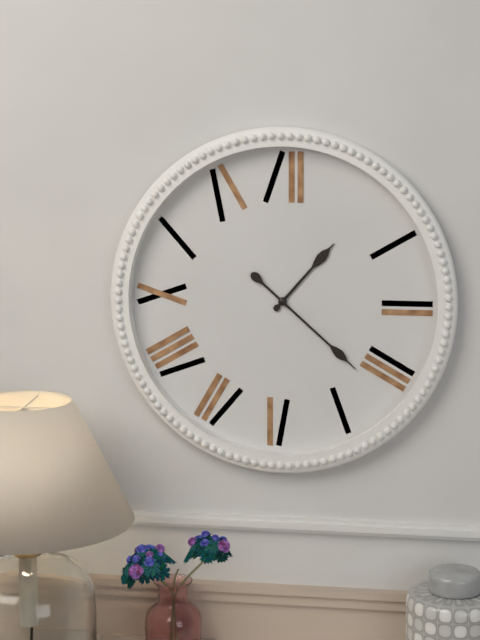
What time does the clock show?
1:22
